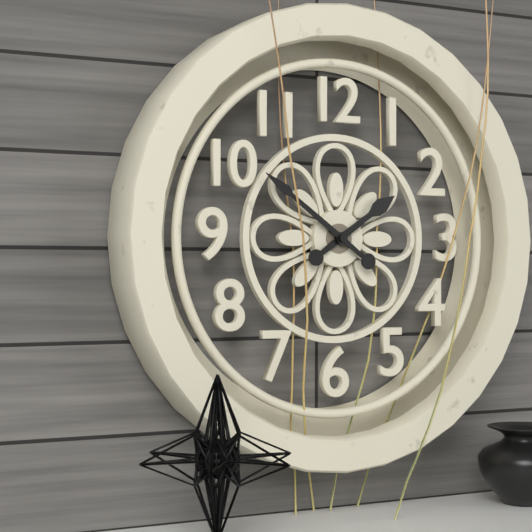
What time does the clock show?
1:51
